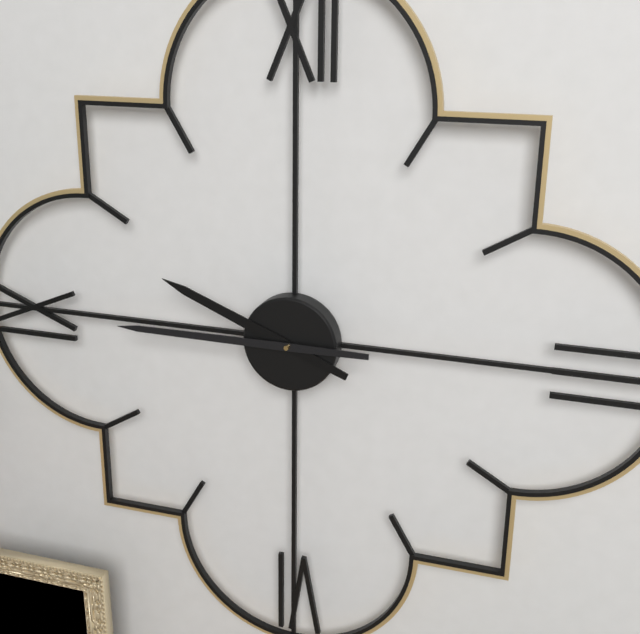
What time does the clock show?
9:45
